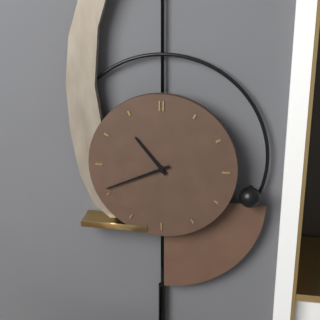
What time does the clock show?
10:41
